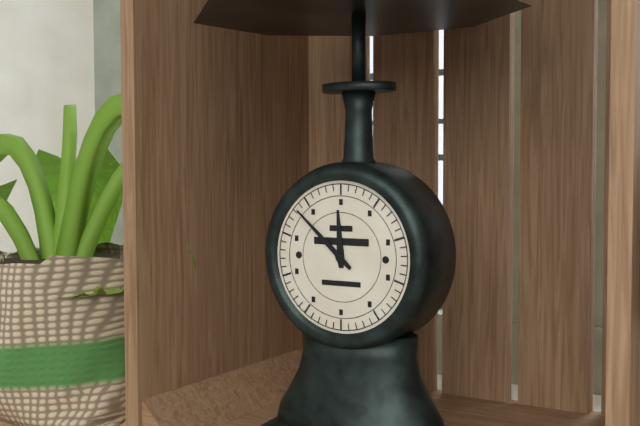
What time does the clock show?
11:52
